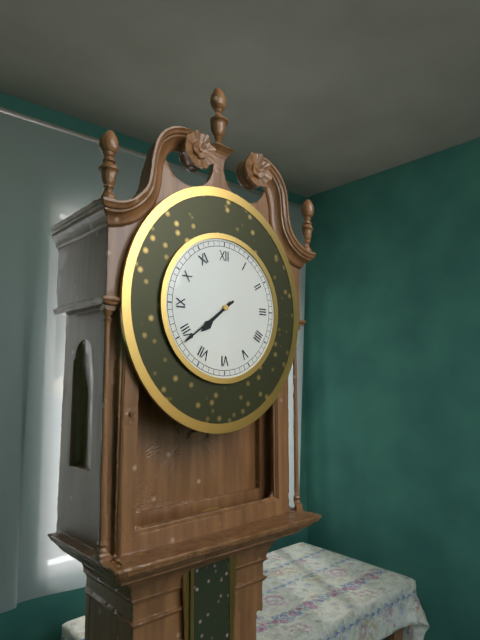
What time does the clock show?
7:39
